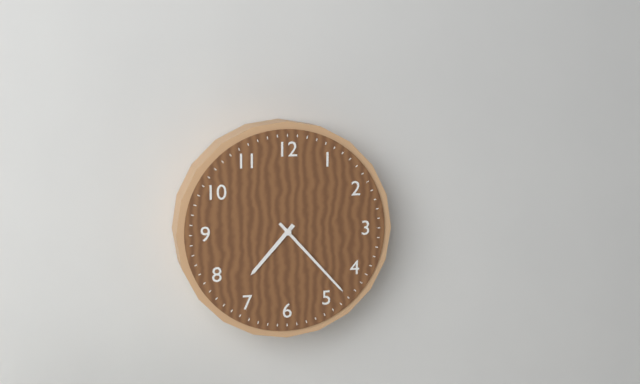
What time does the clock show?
7:23
